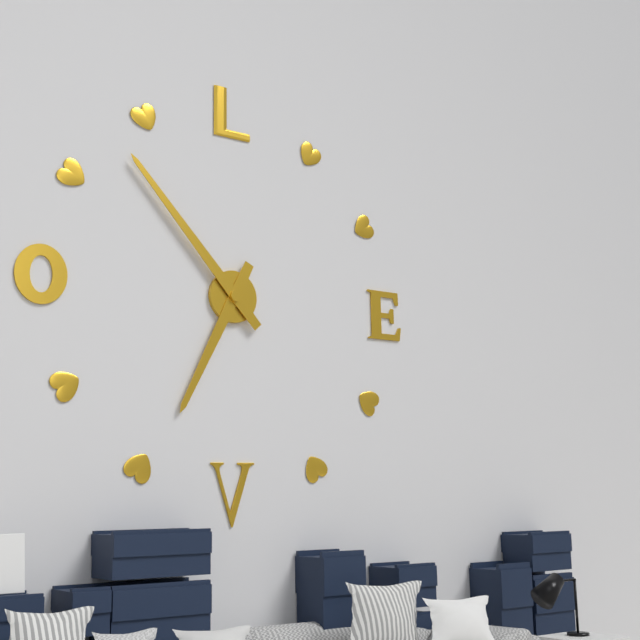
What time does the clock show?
6:53
